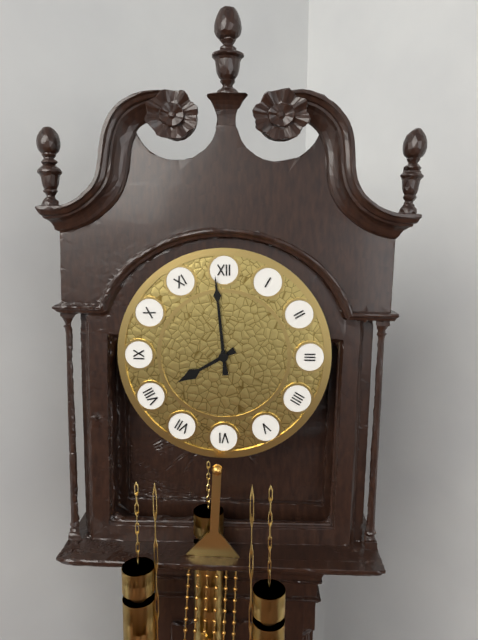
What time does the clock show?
7:59
